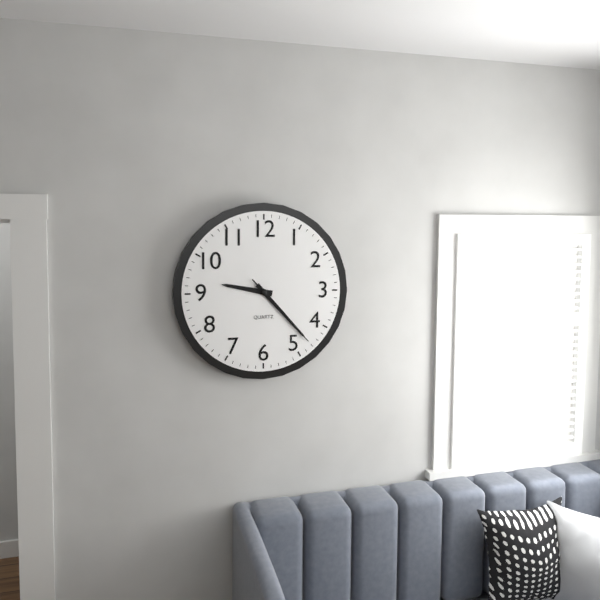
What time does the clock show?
9:23:23
